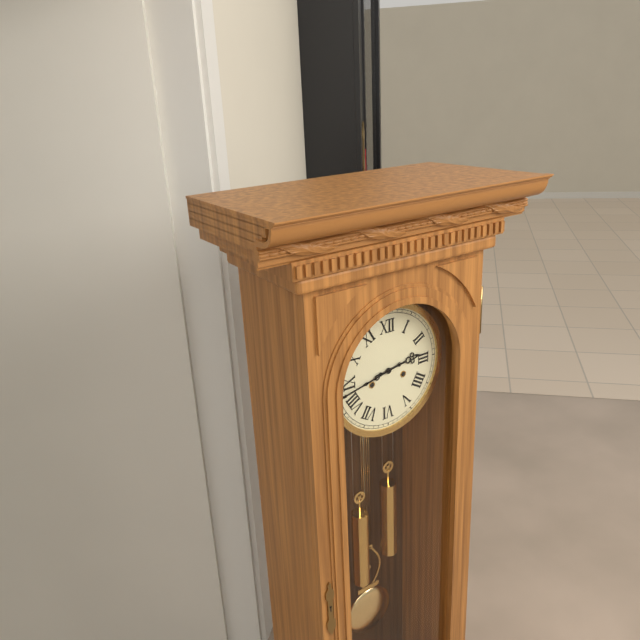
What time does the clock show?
2:43
